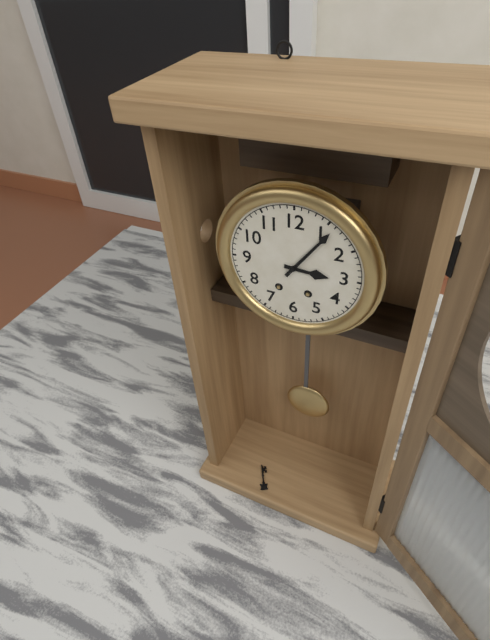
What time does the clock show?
3:06
